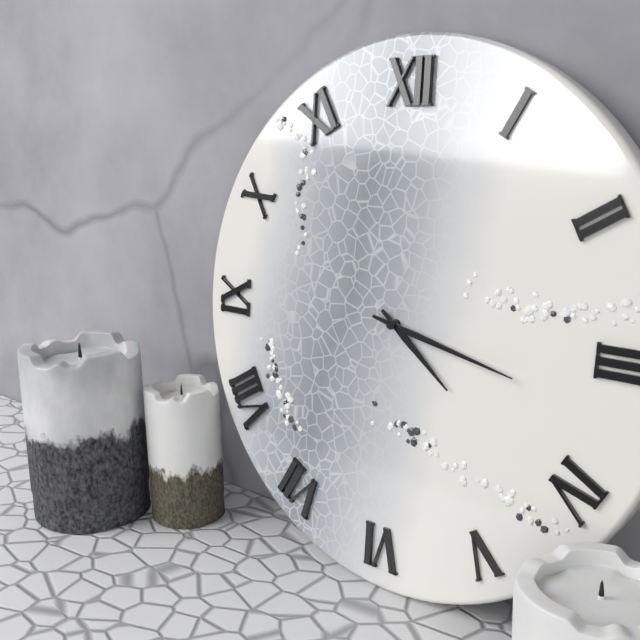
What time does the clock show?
4:17
